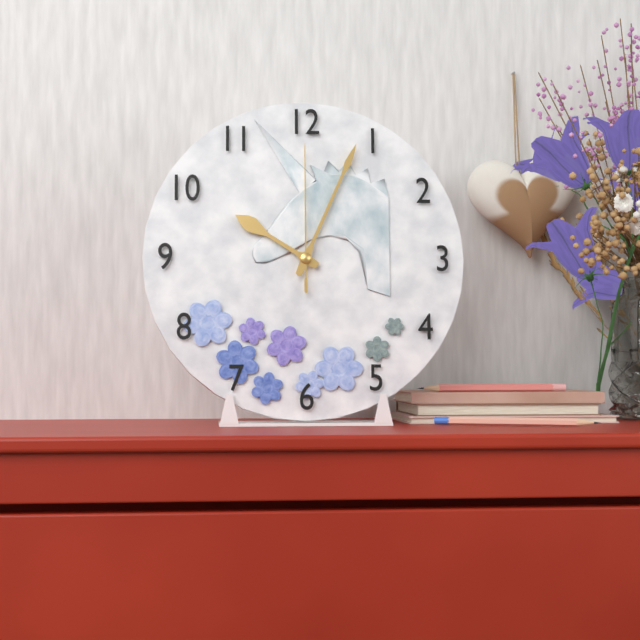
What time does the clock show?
10:04:00
